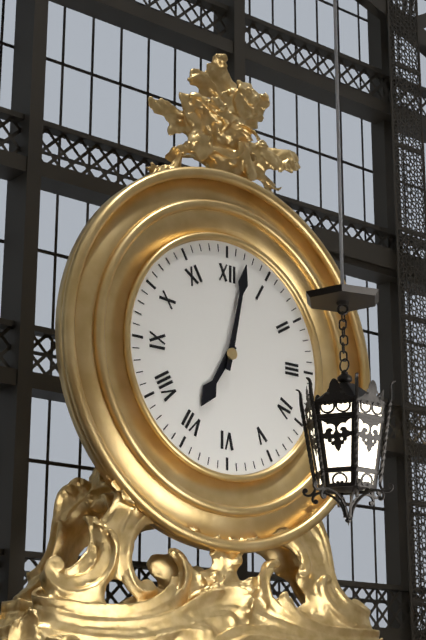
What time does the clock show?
7:02
